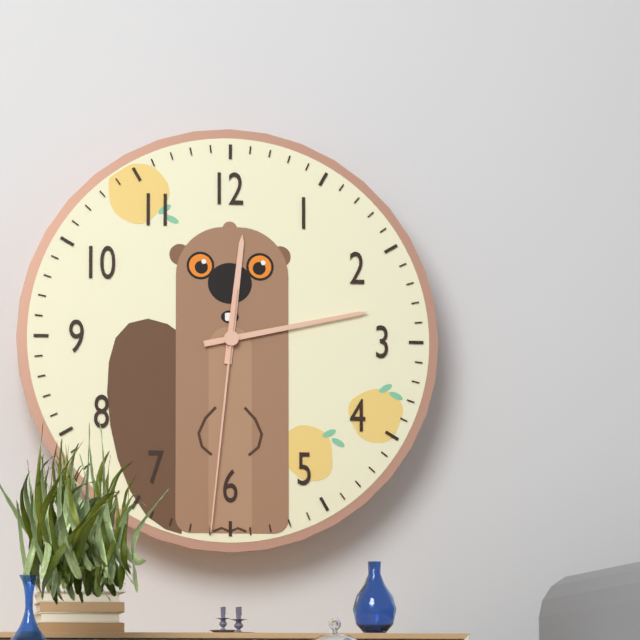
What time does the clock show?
12:13:31
